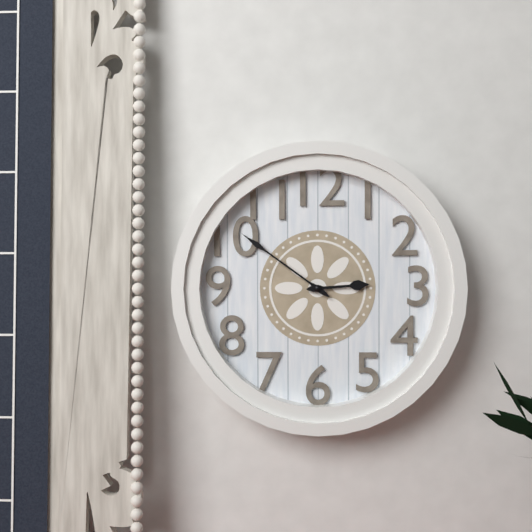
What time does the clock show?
2:51
